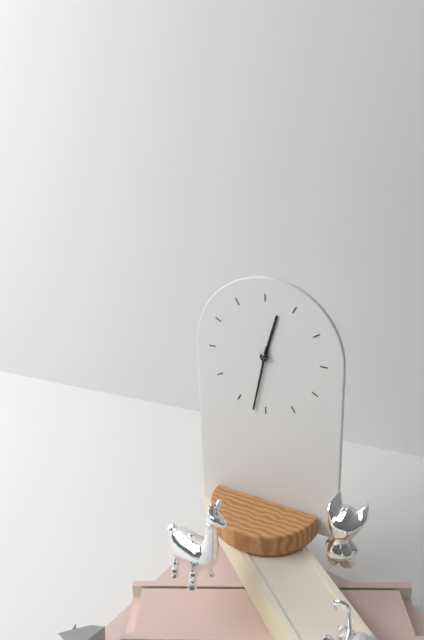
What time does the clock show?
12:32
